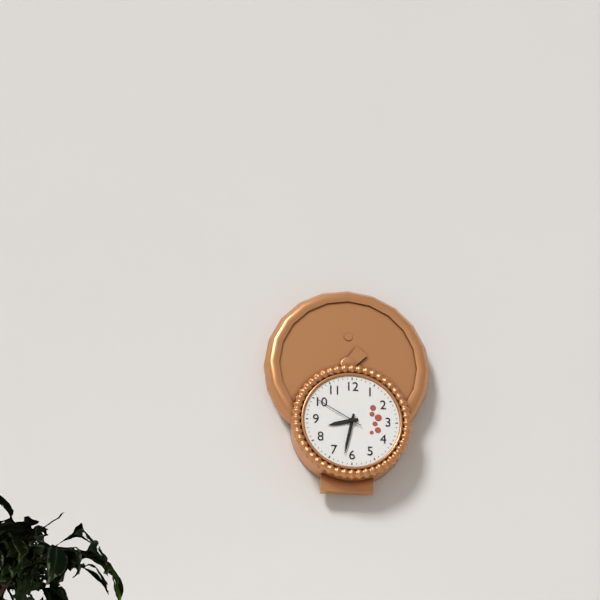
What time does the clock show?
8:32:50
